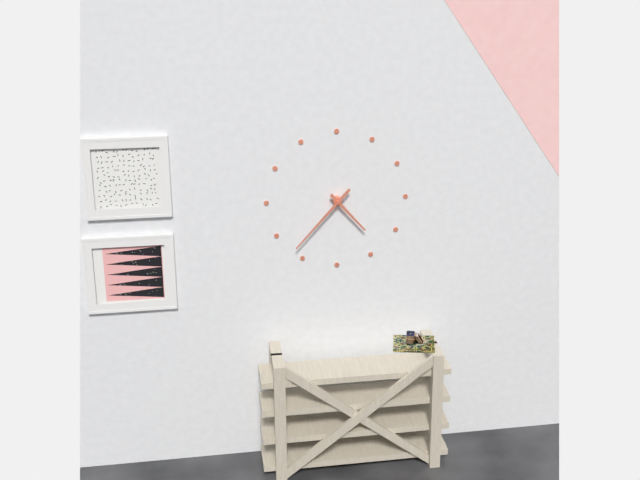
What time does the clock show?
4:37
